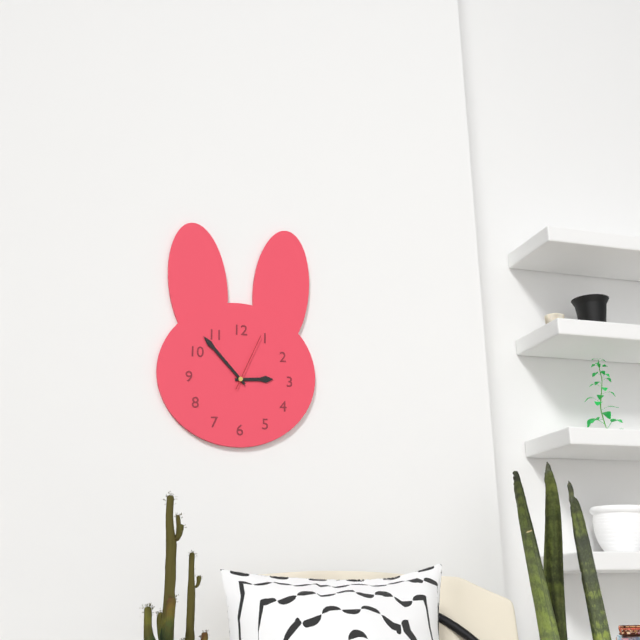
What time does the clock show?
2:53:04
